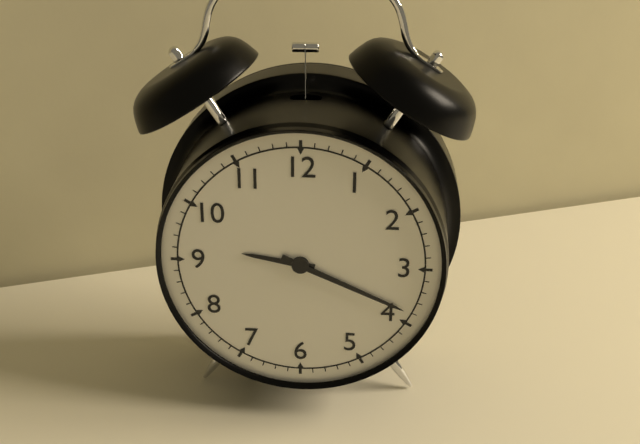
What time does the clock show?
9:19
